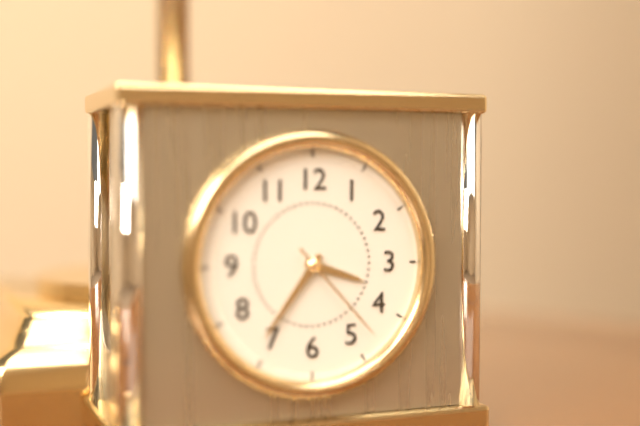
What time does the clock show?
3:36:23
